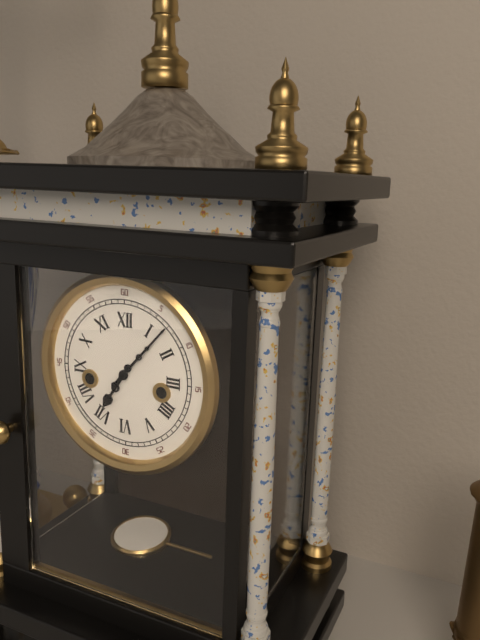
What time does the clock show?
7:07
